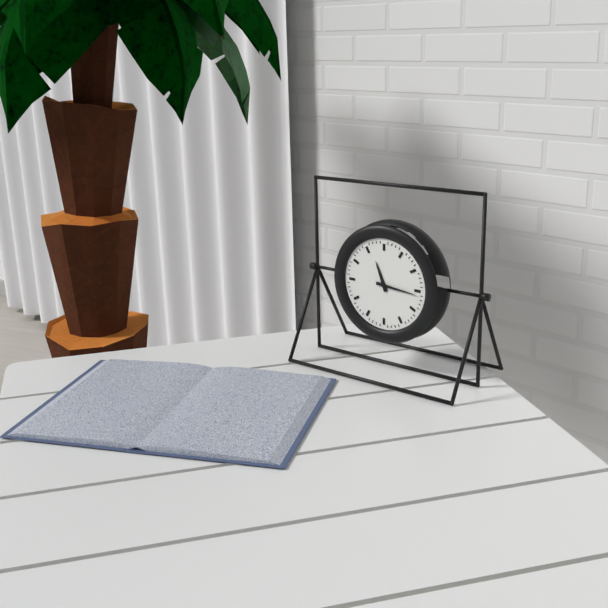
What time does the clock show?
11:16
